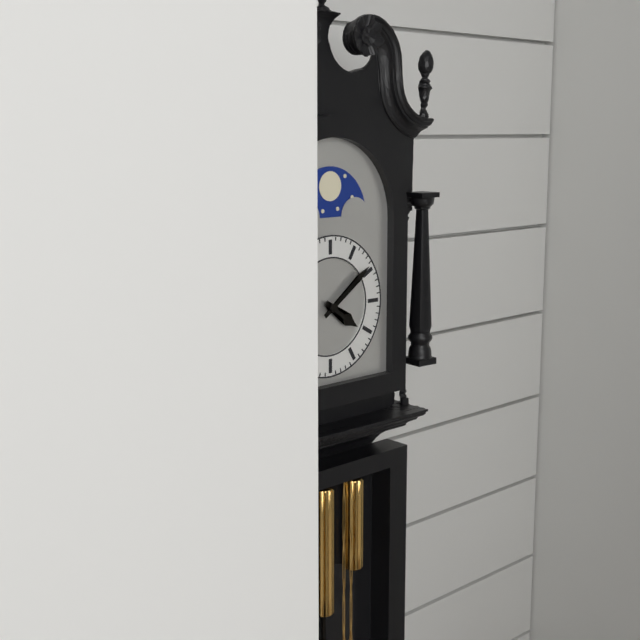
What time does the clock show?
4:09
